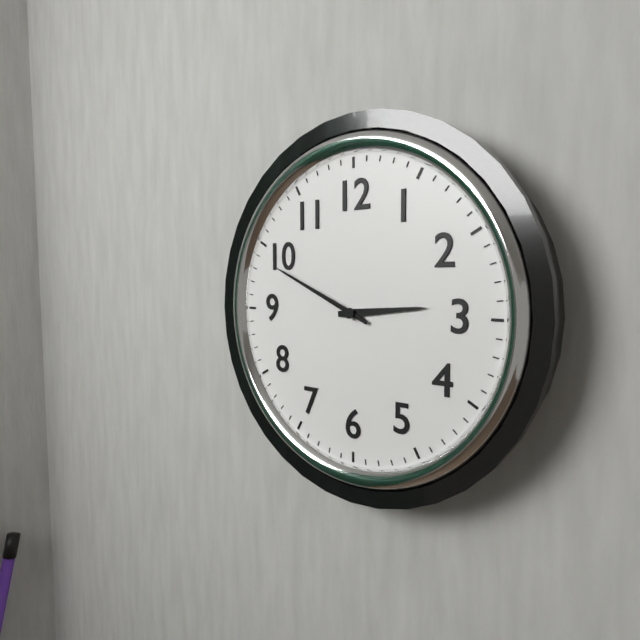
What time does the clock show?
2:49
